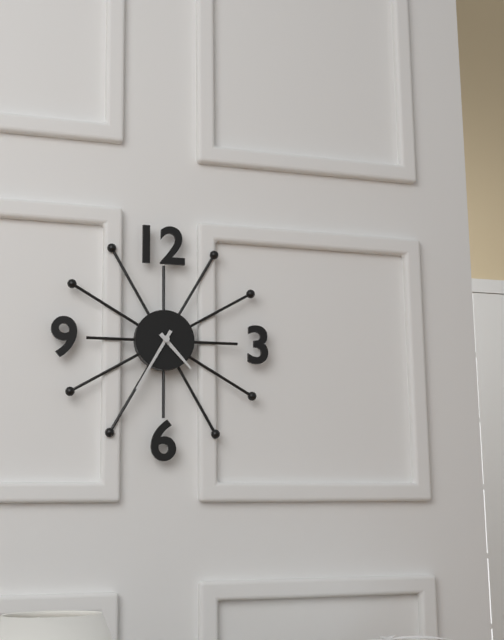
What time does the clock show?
4:35
